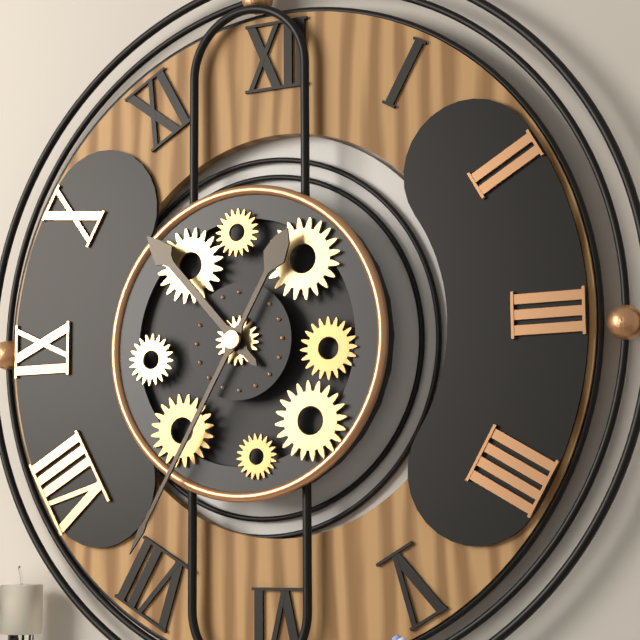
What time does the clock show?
10:35
